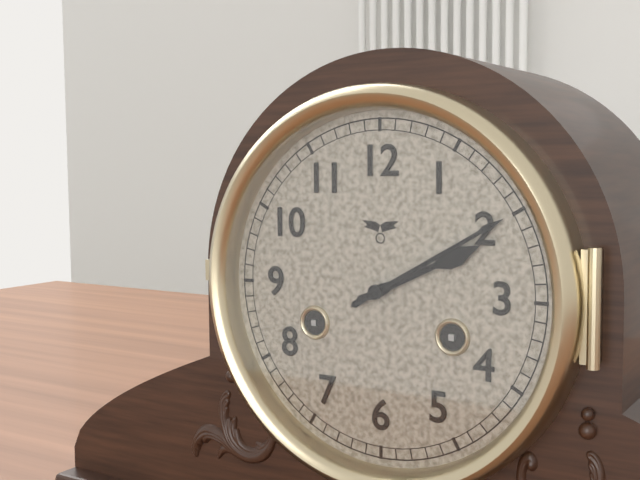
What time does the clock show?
2:10
